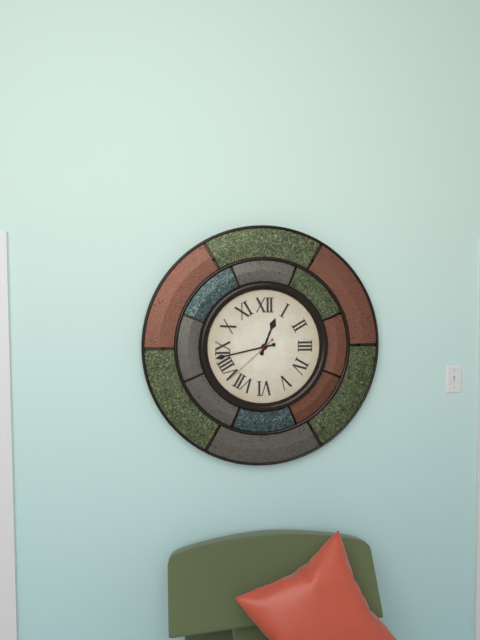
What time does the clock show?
12:43:38
